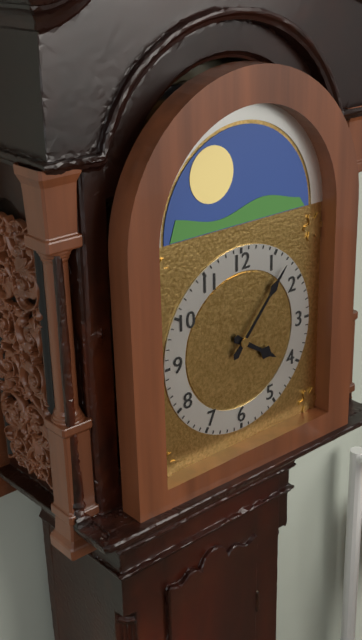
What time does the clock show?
4:07
